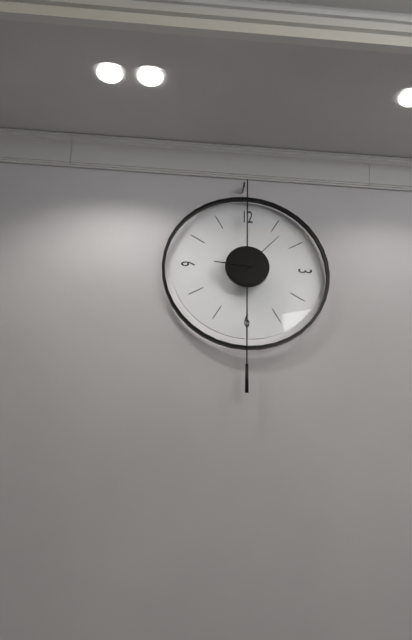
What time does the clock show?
9:07
